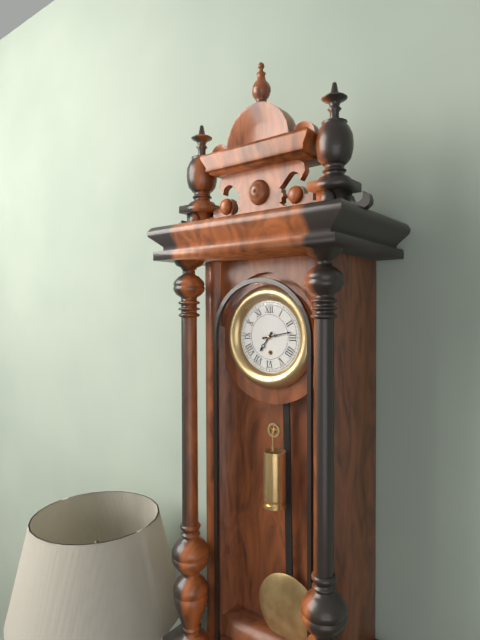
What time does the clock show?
7:13
